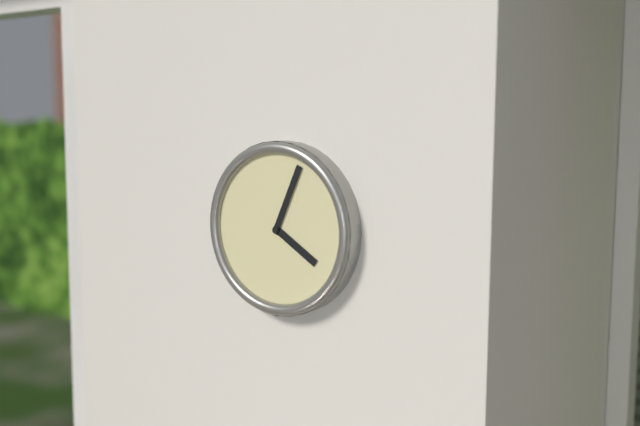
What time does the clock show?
4:04
